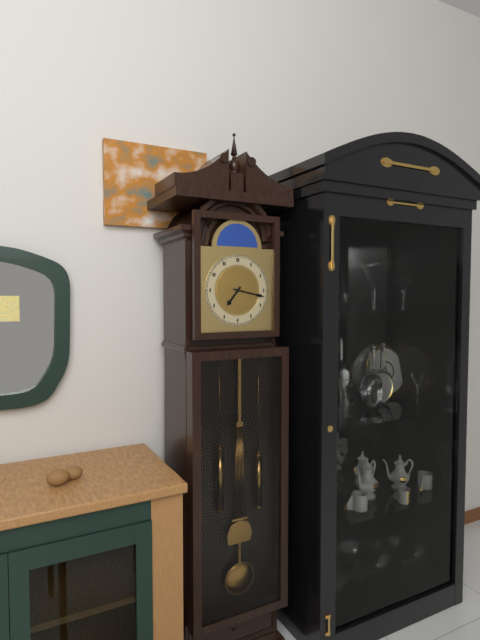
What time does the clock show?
7:17
